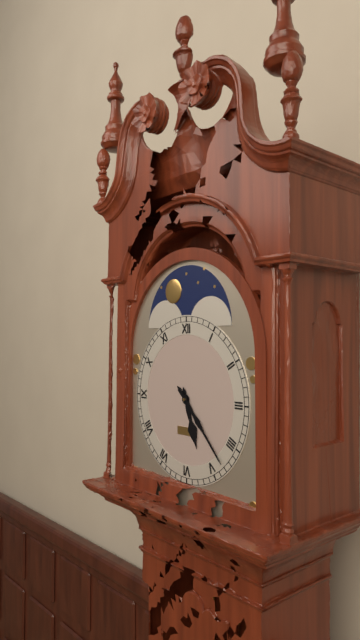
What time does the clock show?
5:23
